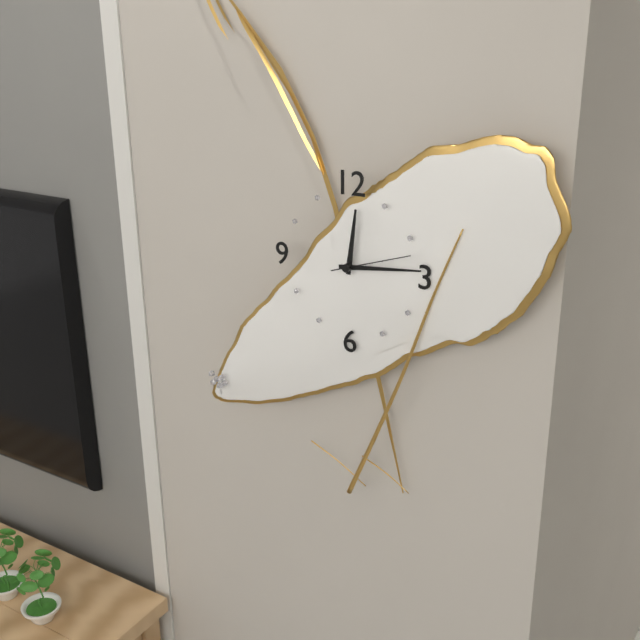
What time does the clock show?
12:14:12
